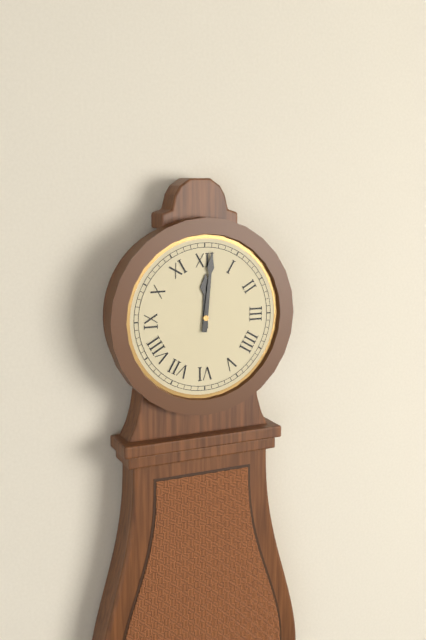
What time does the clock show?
12:01
